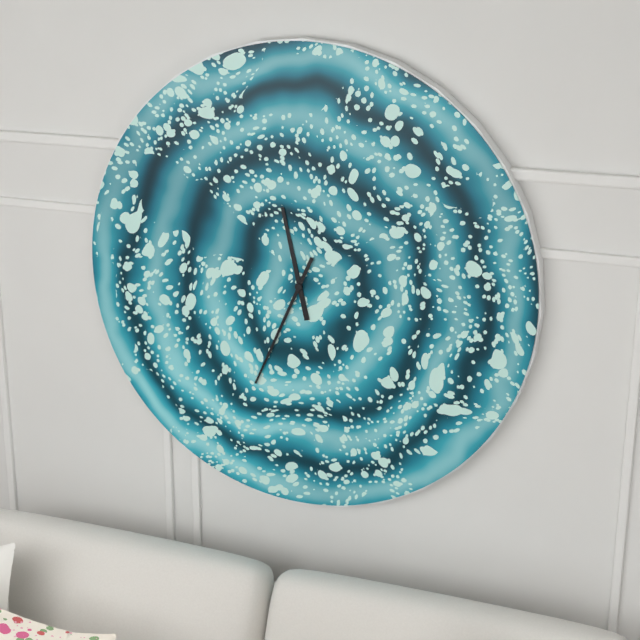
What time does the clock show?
11:34
